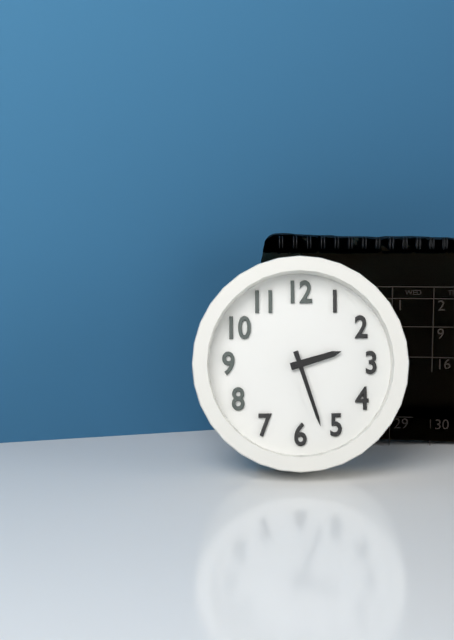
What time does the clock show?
2:27
